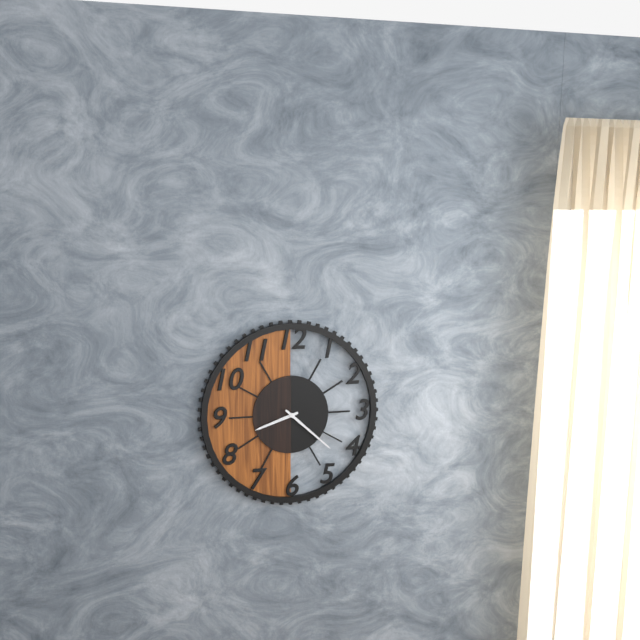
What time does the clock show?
8:22
